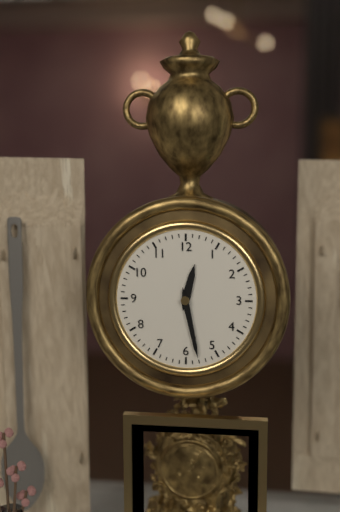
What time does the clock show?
12:28
